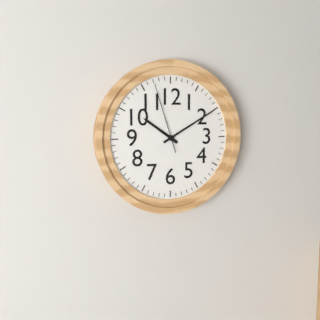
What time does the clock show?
10:10:57
